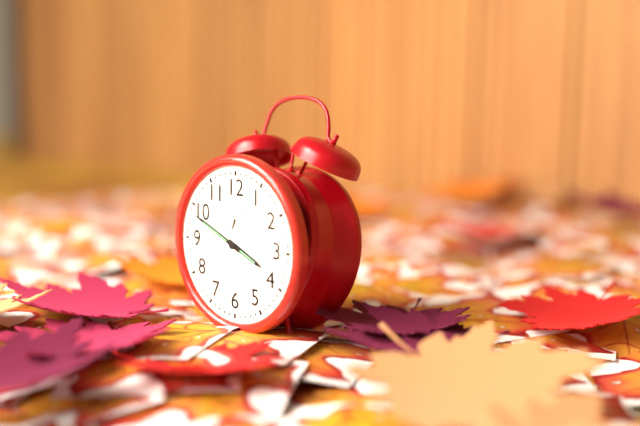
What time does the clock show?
3:49
